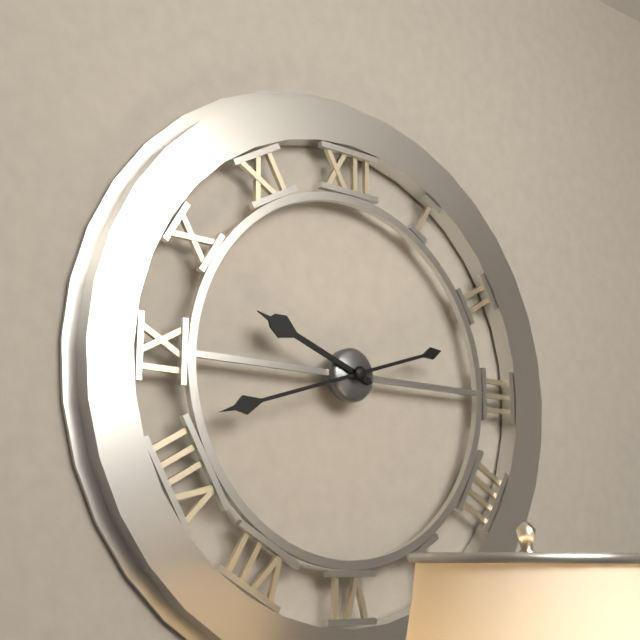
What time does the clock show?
9:42
